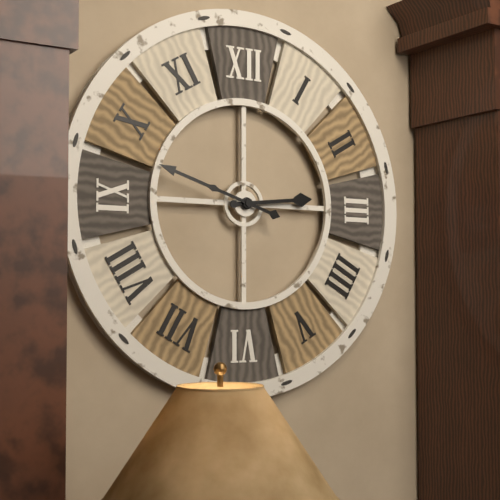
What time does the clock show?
2:48
